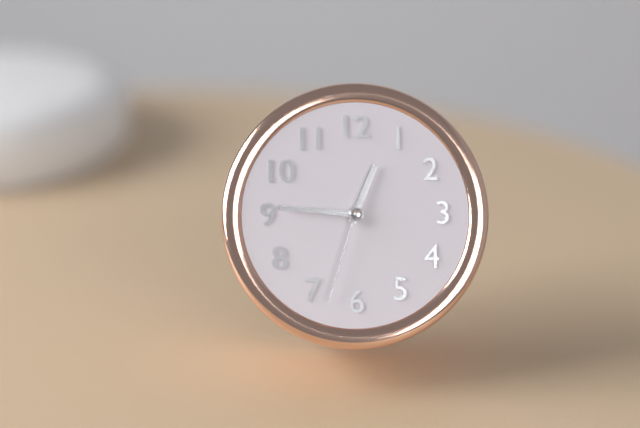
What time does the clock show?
12:46:33
